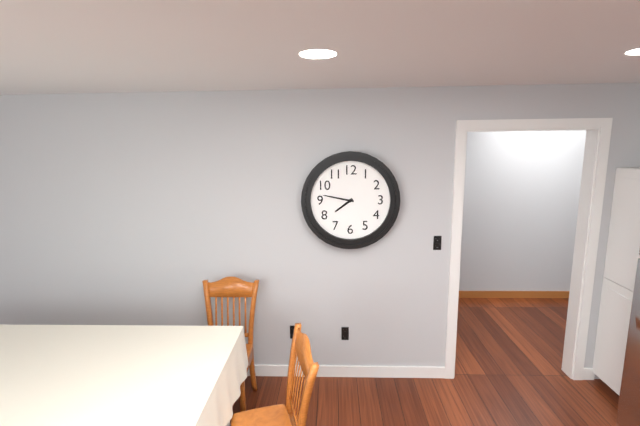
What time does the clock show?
7:47
